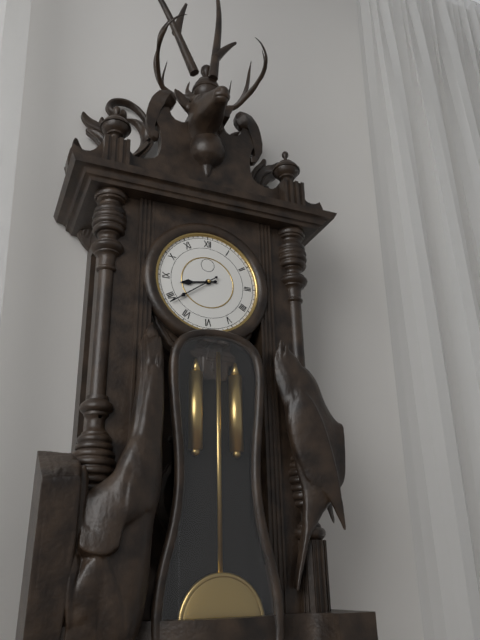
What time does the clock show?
8:39
